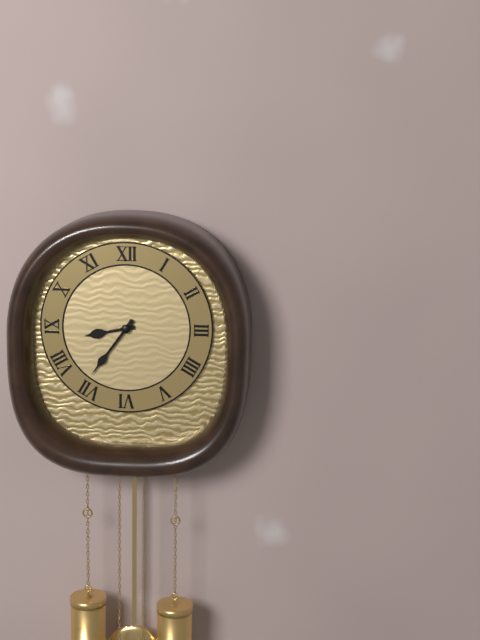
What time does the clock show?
8:36
